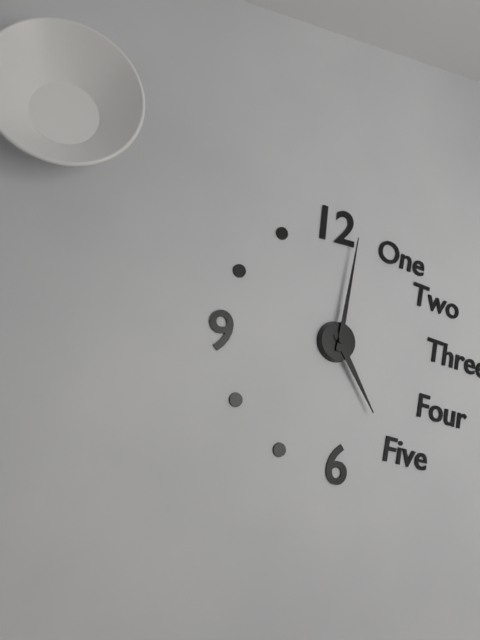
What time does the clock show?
5:02
